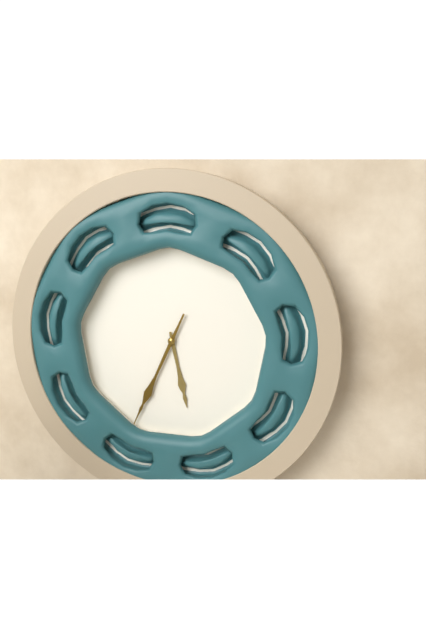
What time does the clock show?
5:34
